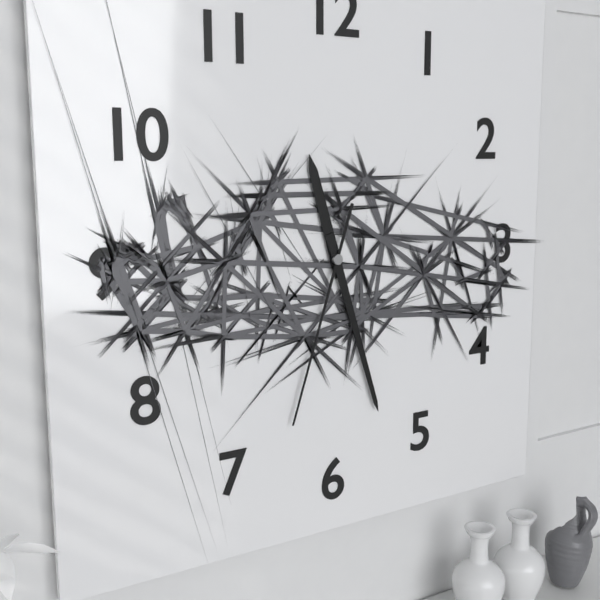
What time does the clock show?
11:27:33
